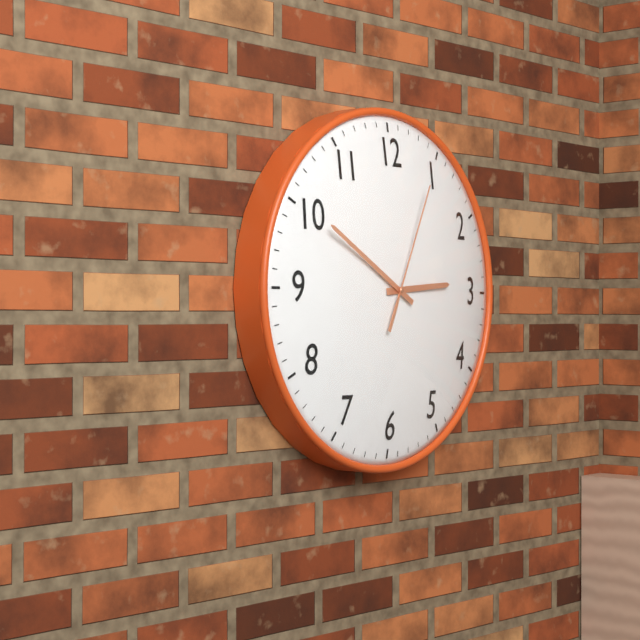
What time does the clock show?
2:50:04
